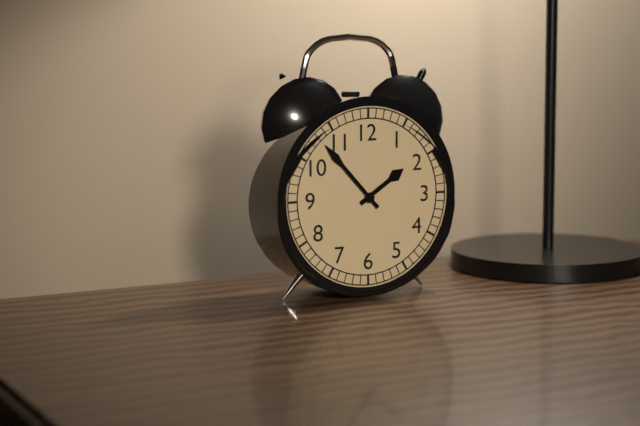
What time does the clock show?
1:53
